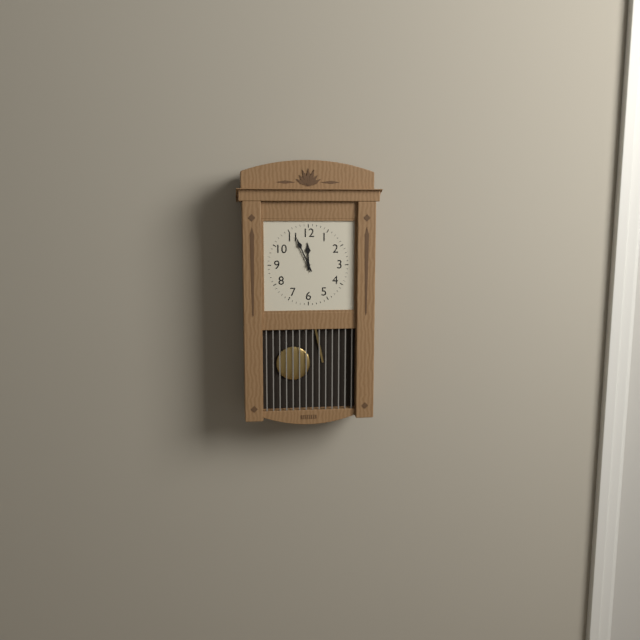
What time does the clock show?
11:56
